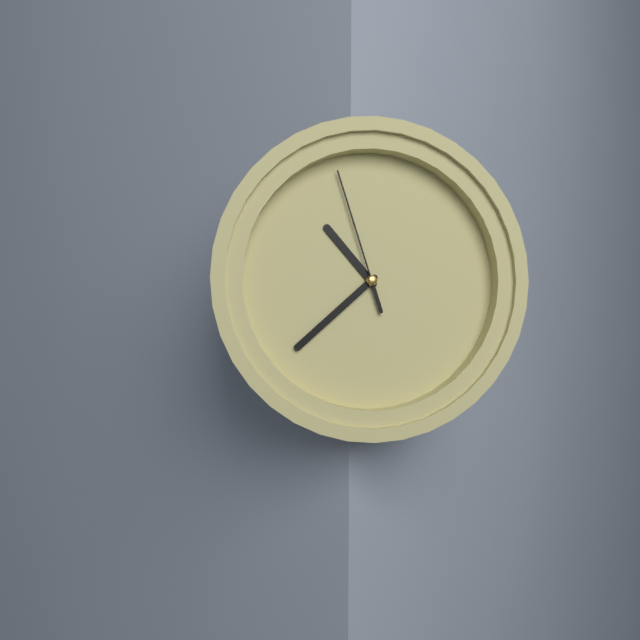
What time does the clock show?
10:38:57
